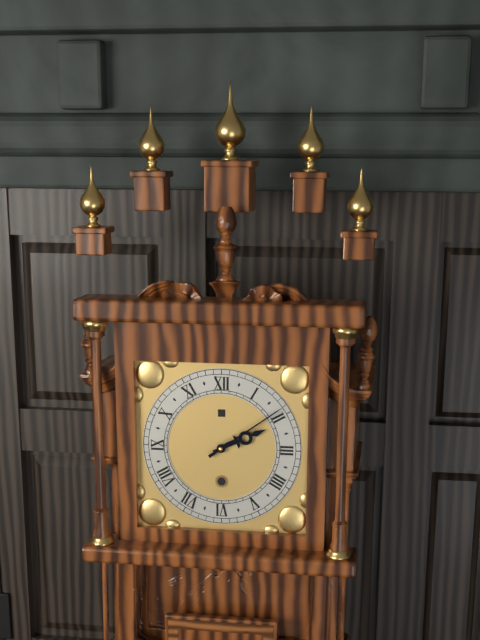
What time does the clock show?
2:09
